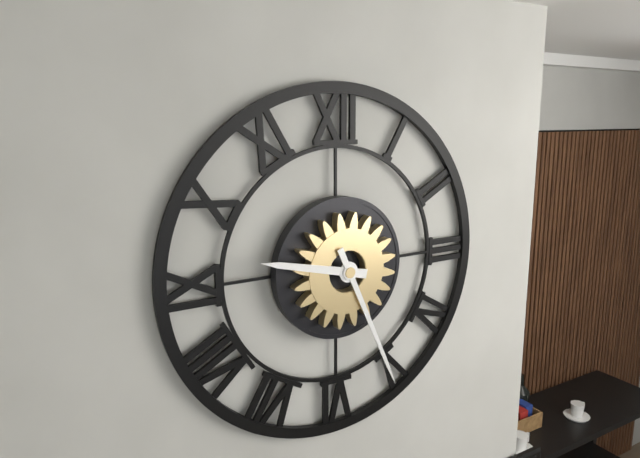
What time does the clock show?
9:26
